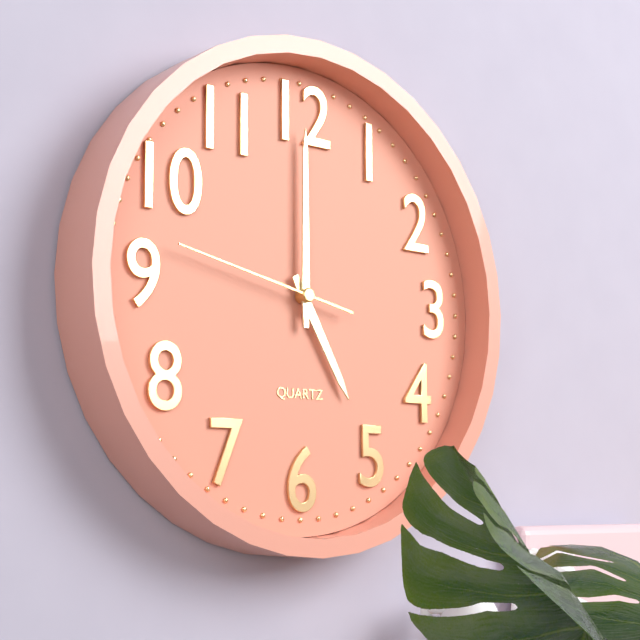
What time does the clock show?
5:00:47
